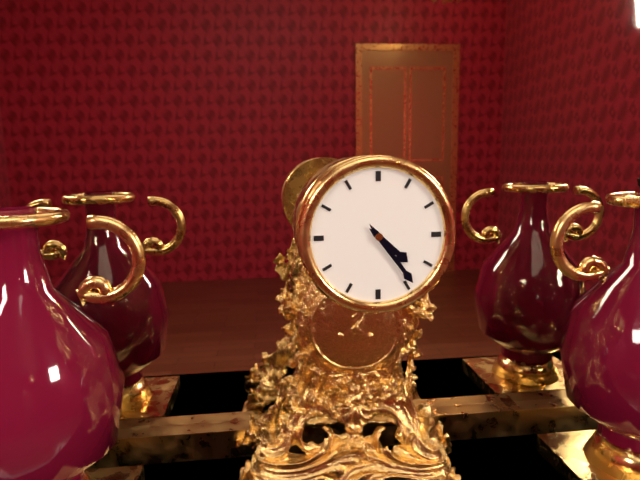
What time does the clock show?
4:24
